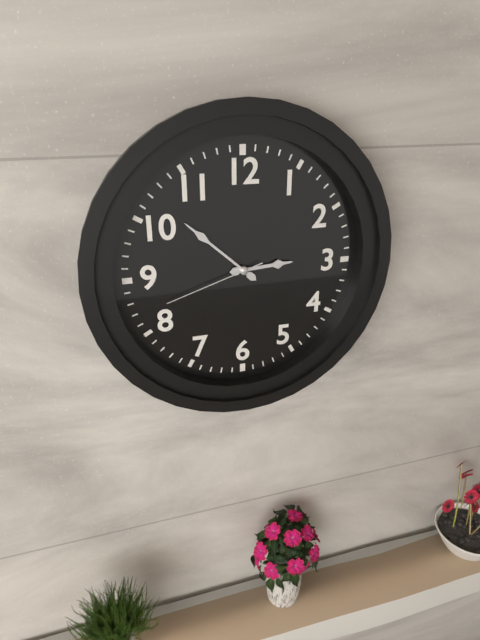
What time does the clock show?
2:52:42
